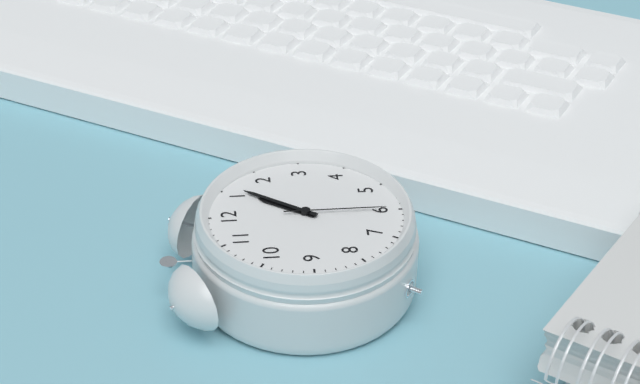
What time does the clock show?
1:06:30
